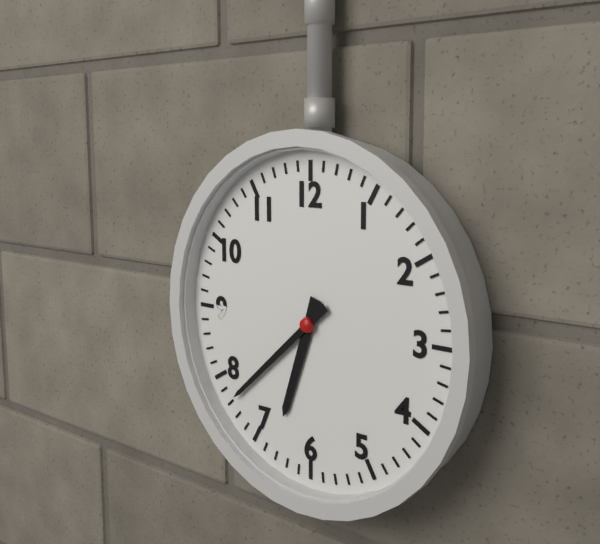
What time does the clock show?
6:38
